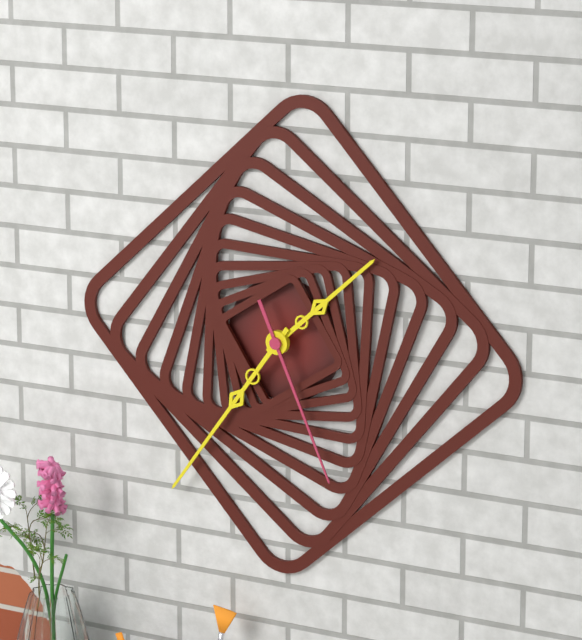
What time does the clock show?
1:36:26
